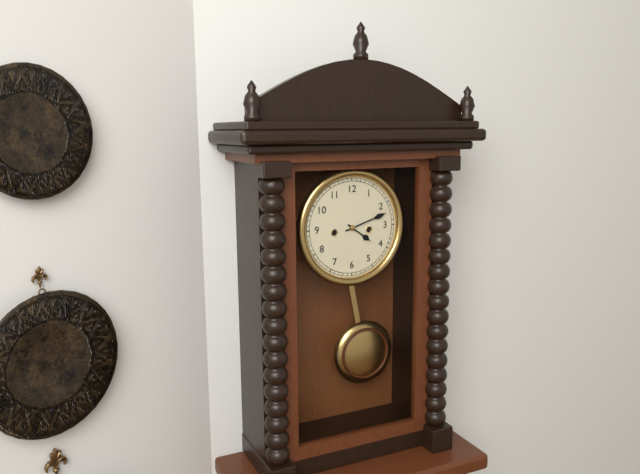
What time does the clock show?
4:12
